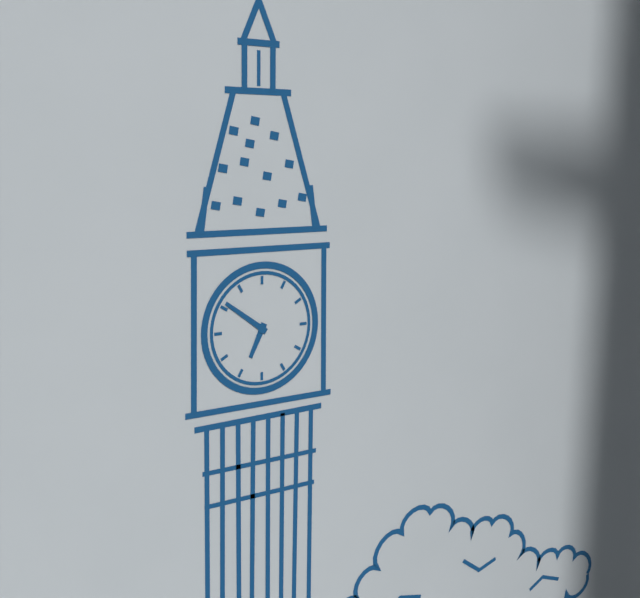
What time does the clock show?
6:51
